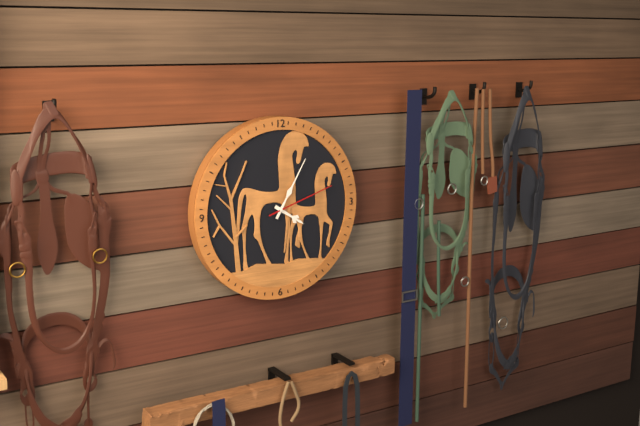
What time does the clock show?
4:05:12
